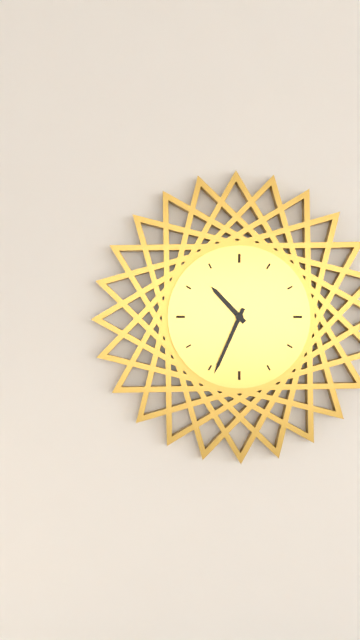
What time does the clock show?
10:34
